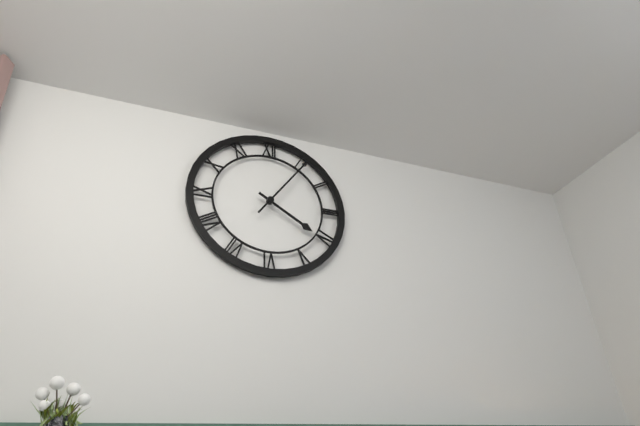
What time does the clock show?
4:06
